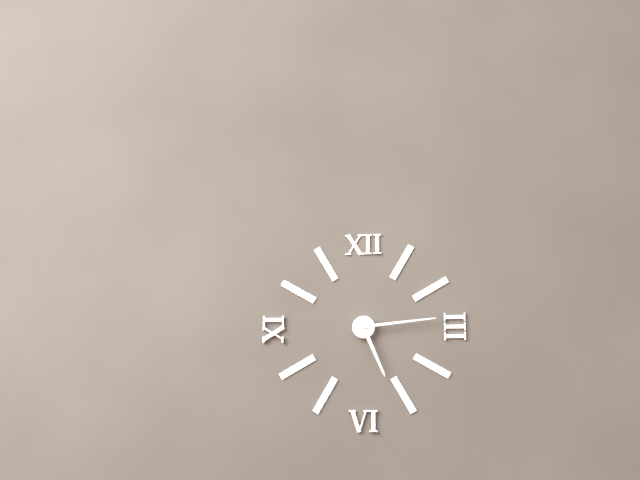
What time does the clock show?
5:14
